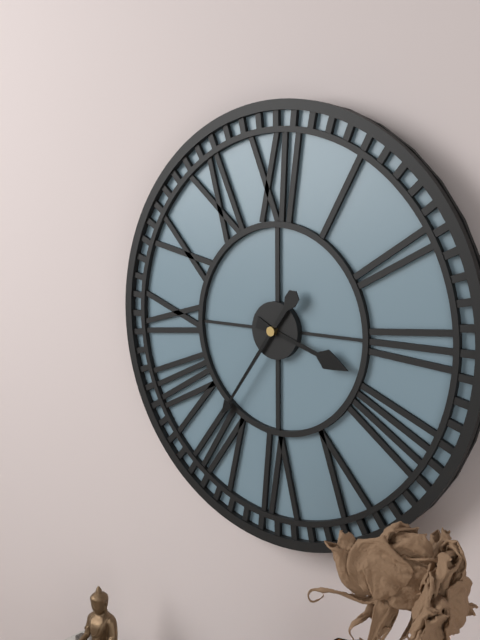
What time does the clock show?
3:36
